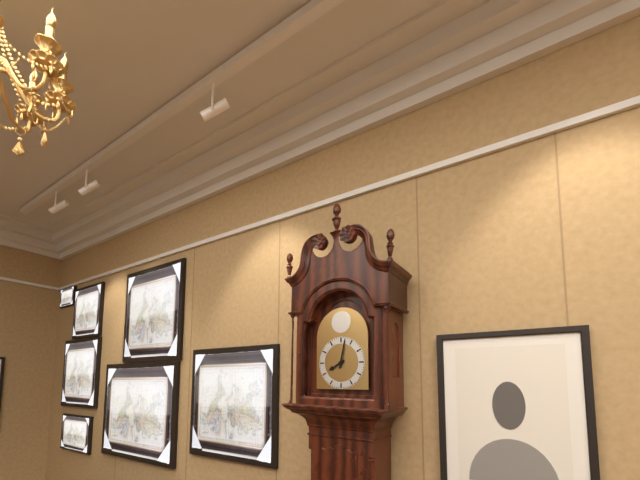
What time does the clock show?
8:02
